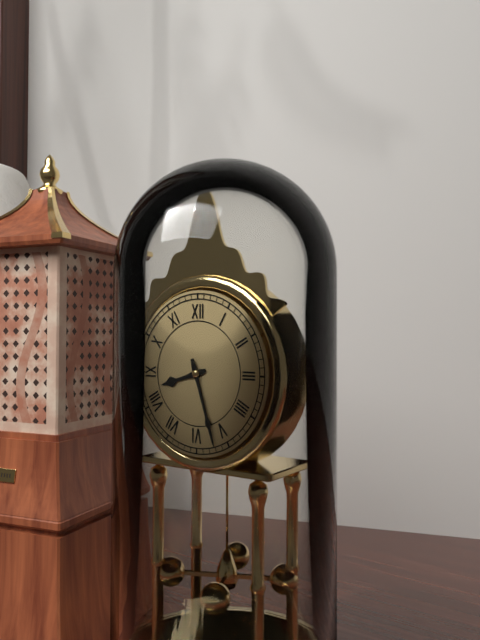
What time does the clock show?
8:27
